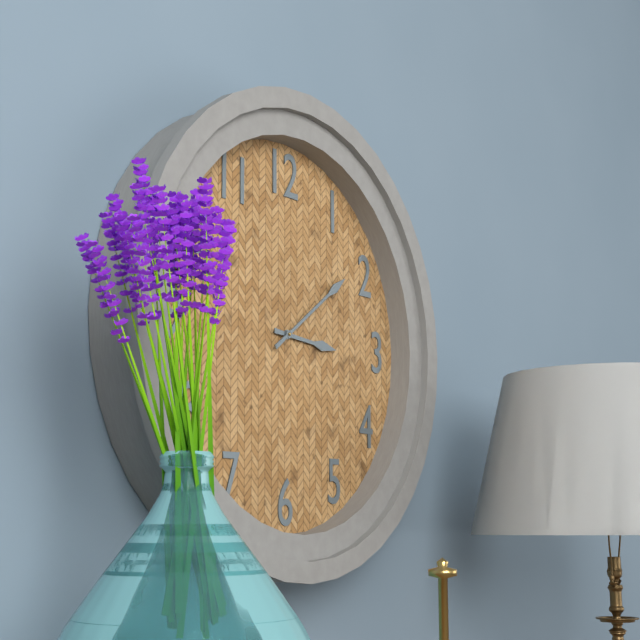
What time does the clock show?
3:09
